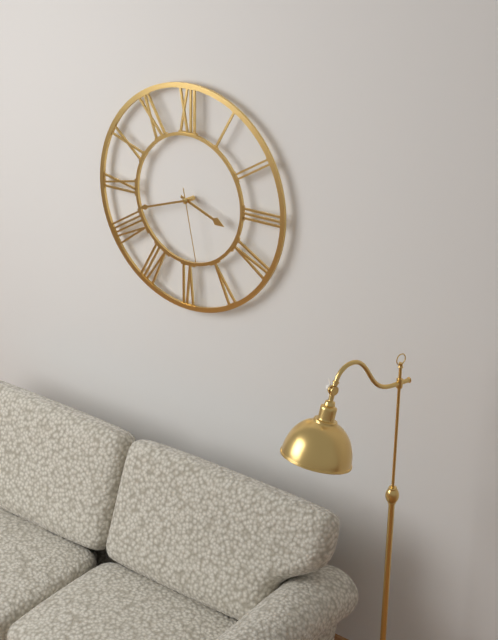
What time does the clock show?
3:42:28
